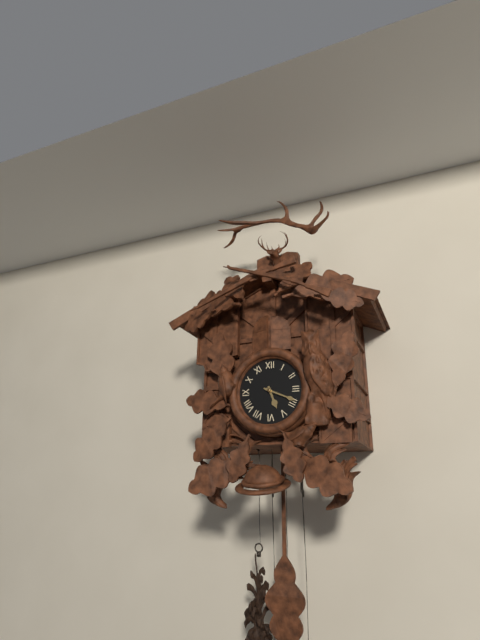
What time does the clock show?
5:19
